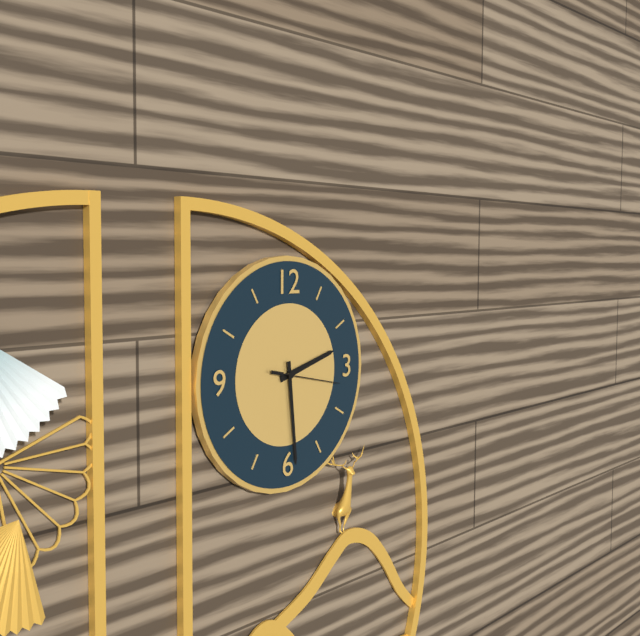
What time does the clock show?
2:29:17
